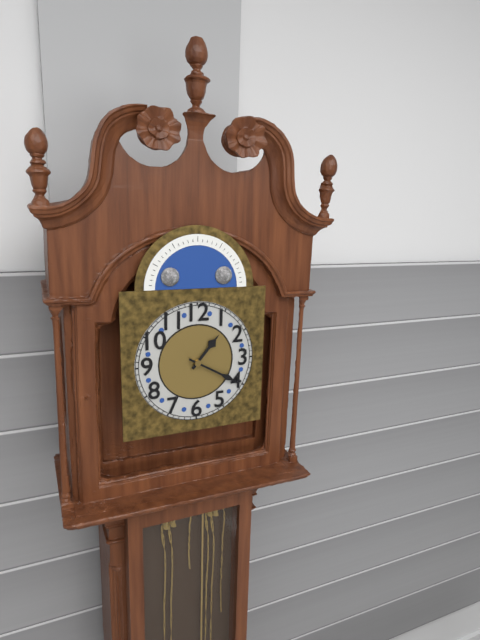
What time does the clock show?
1:20
